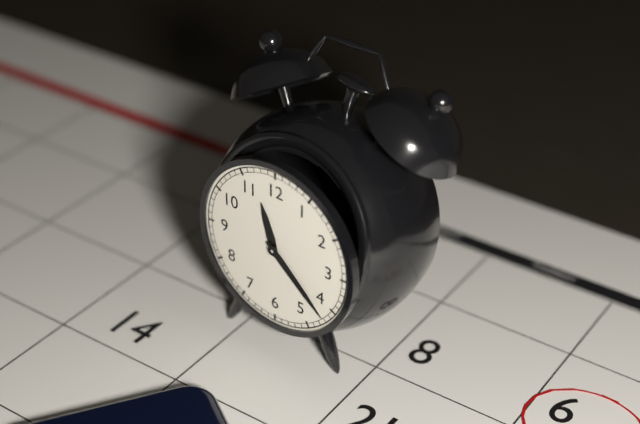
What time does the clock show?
11:22
